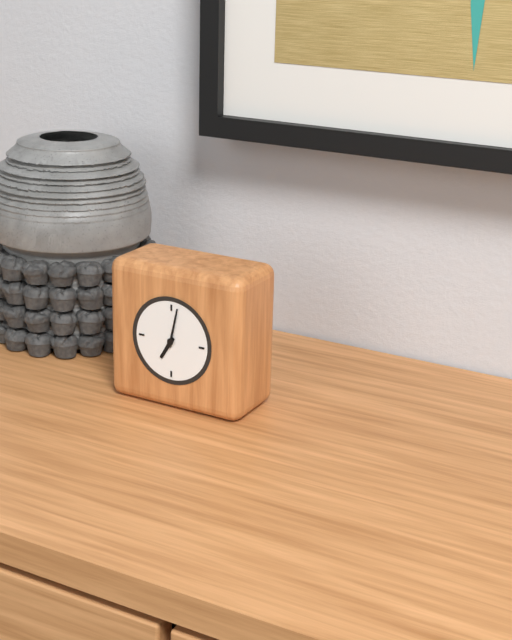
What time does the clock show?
7:02
